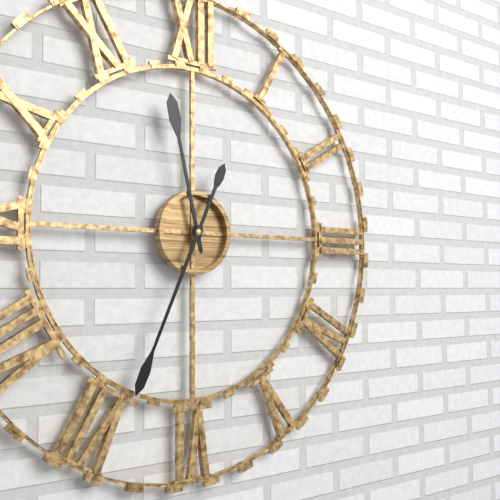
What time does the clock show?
11:34
